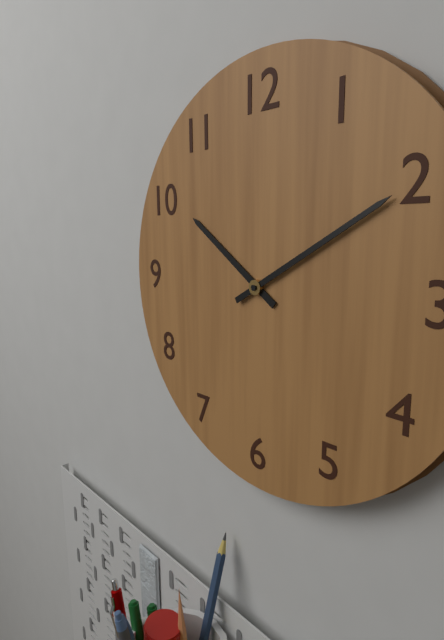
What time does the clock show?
10:10
